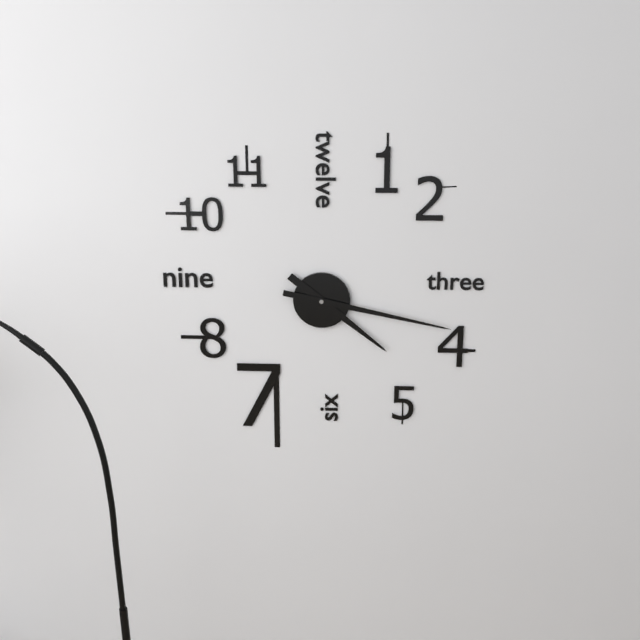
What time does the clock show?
4:17
